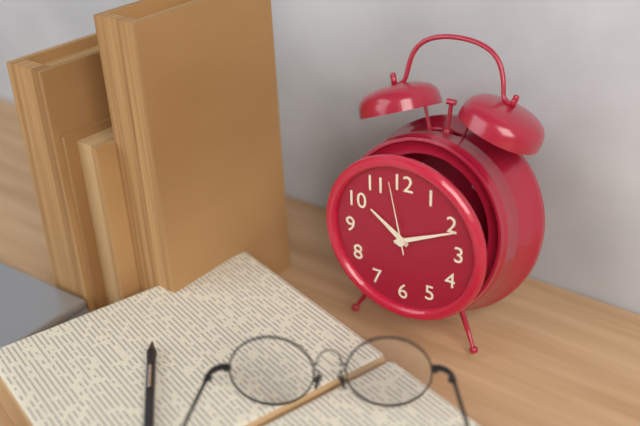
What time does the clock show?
10:11:58
